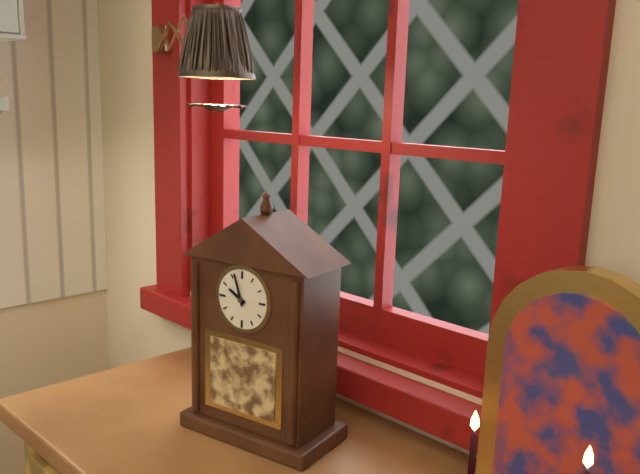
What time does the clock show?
9:57
